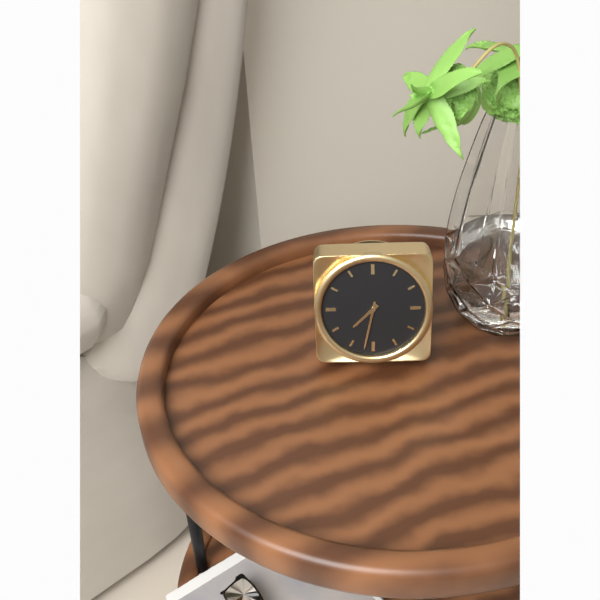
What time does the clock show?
7:32
